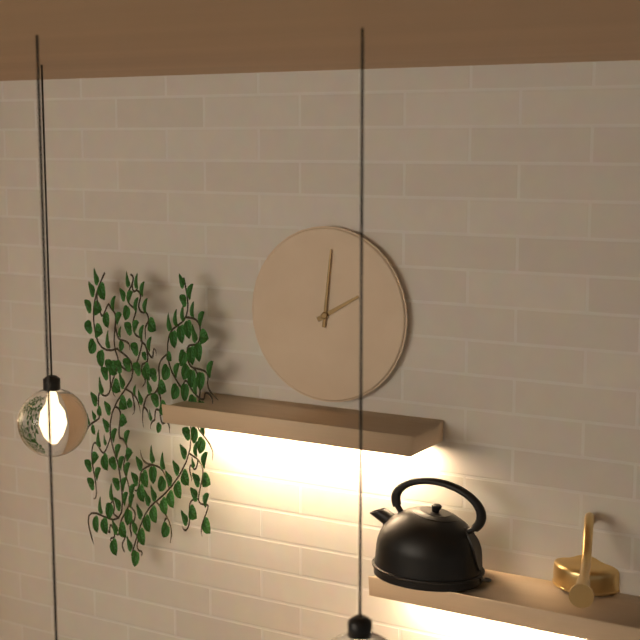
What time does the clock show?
2:01
